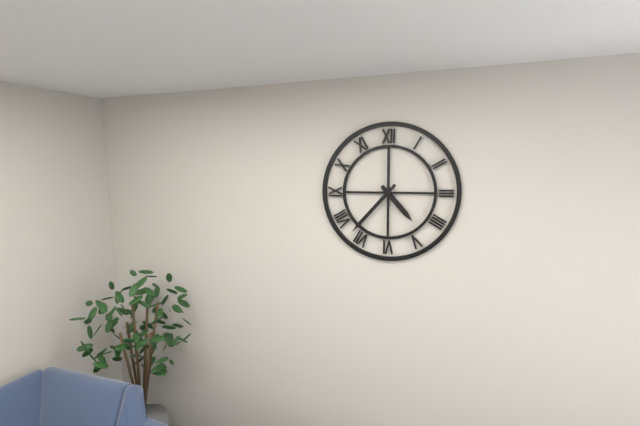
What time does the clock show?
4:37
